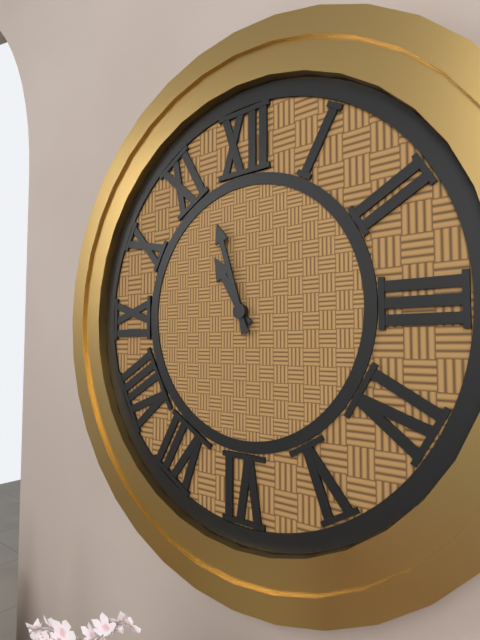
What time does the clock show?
10:57
